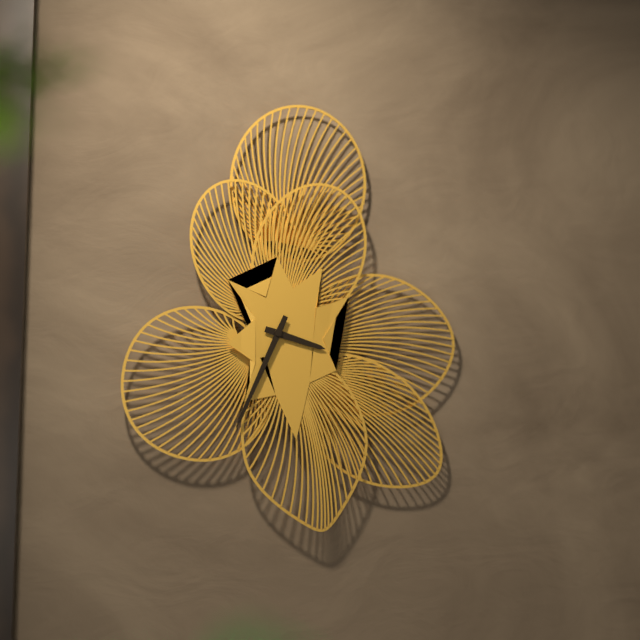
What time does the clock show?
3:34
